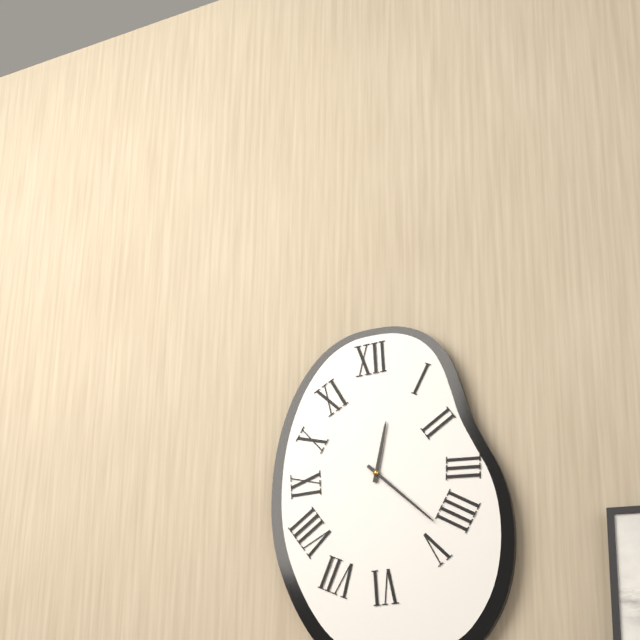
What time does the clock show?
12:22
